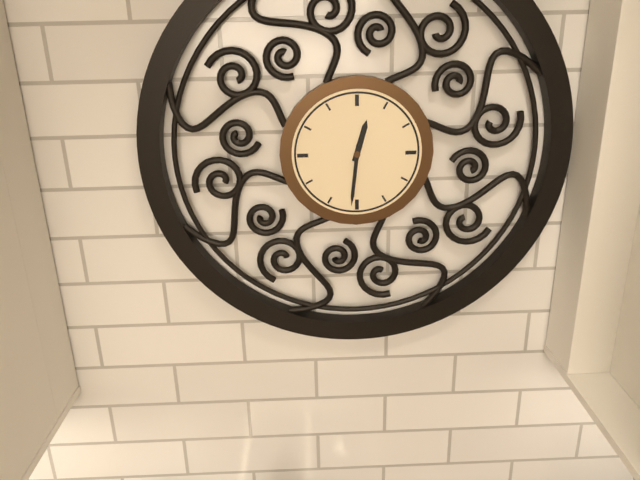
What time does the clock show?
12:31
